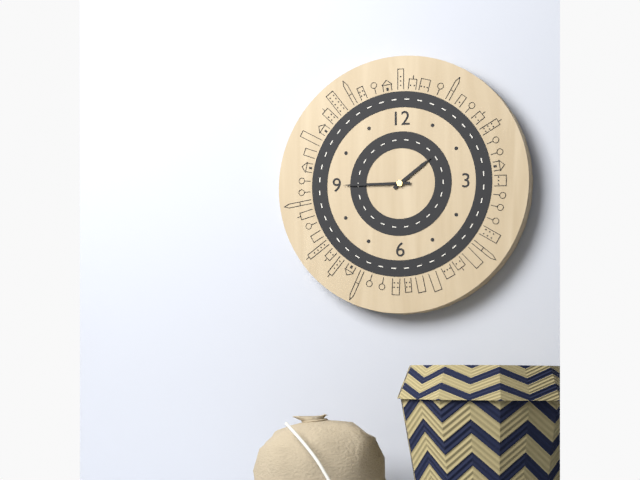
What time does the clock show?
1:45
